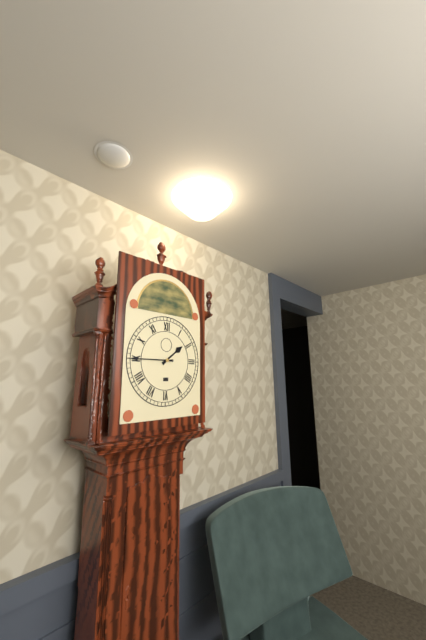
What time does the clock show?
1:45
